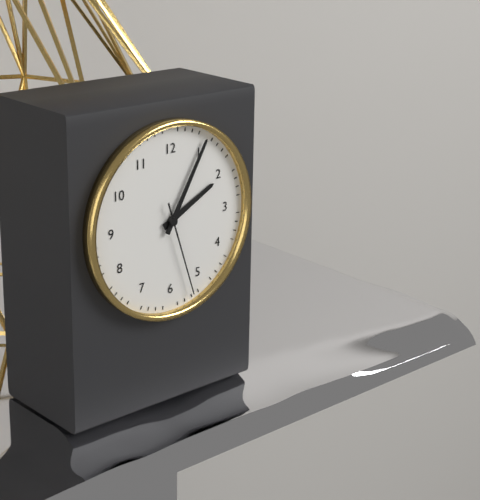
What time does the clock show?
2:05:27
